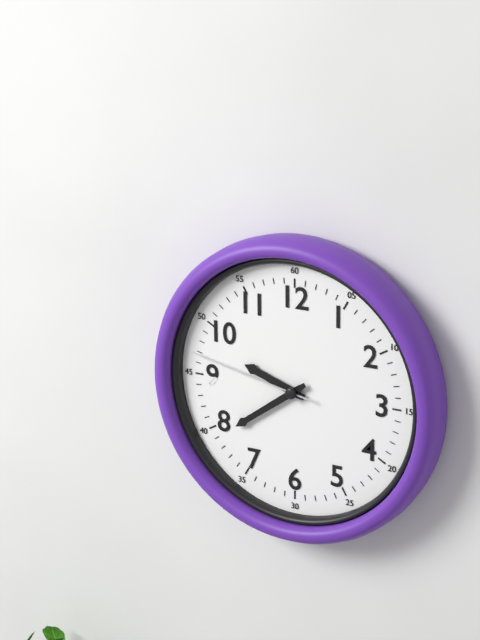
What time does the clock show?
9:39:47
